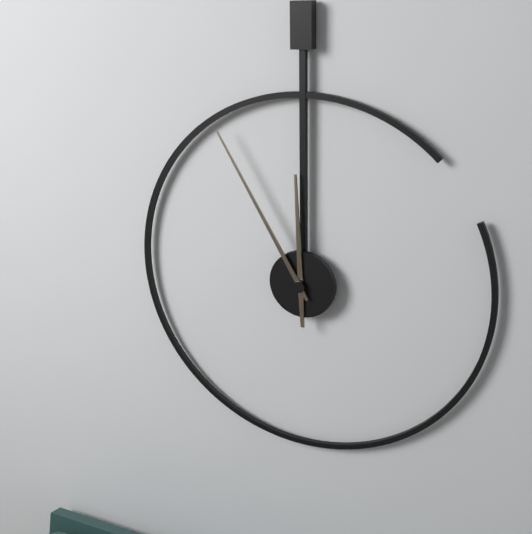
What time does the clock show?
11:55
